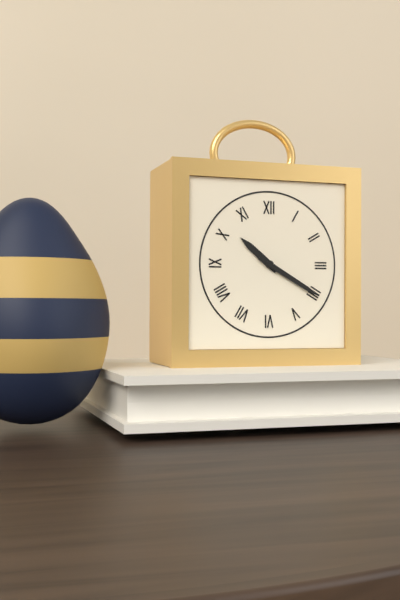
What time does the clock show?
10:20
